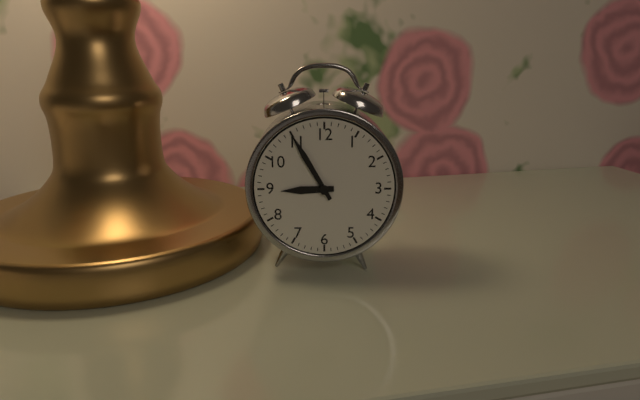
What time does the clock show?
8:55
